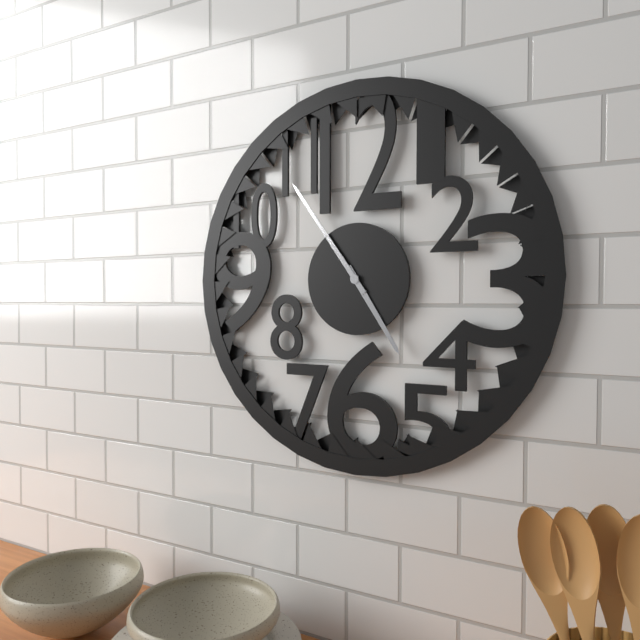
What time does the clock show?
4:54
